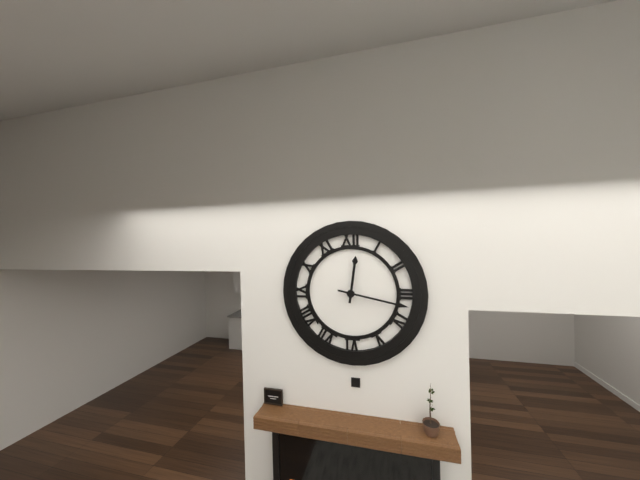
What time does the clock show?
12:17
